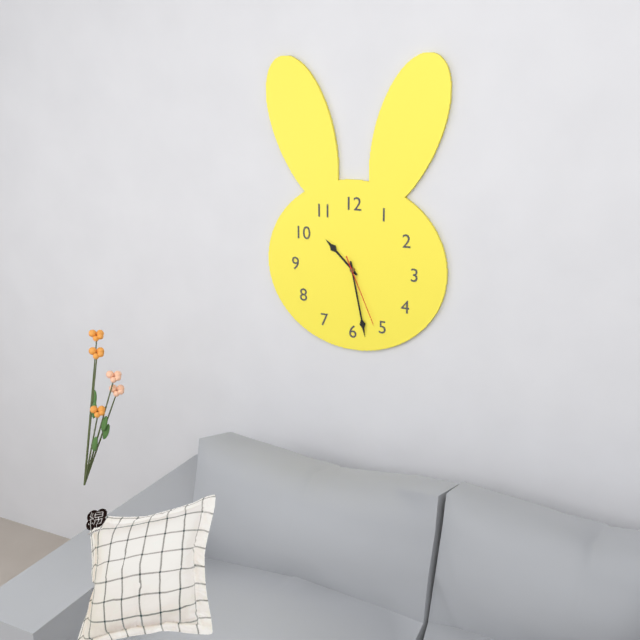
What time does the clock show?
10:28:26
